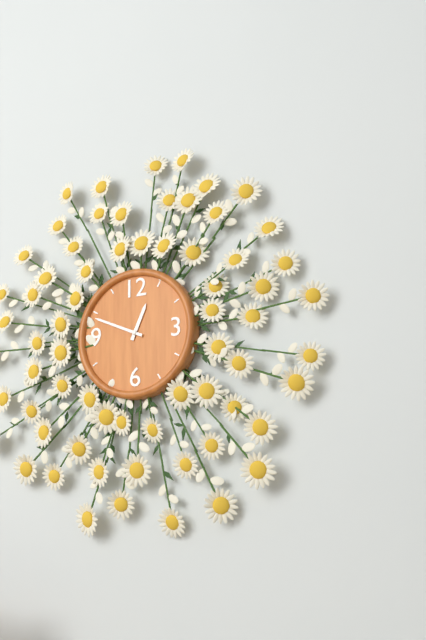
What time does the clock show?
12:49
